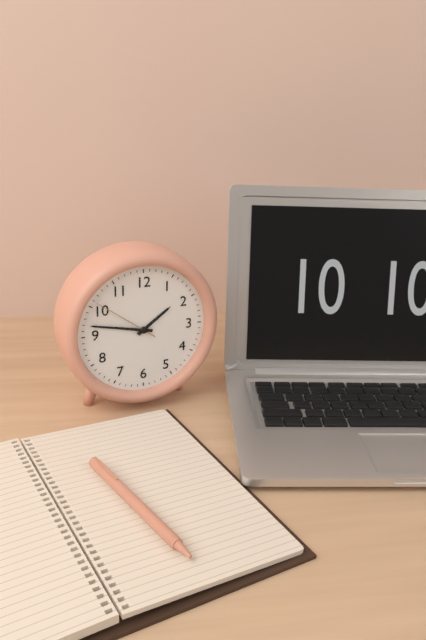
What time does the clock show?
1:47:51
